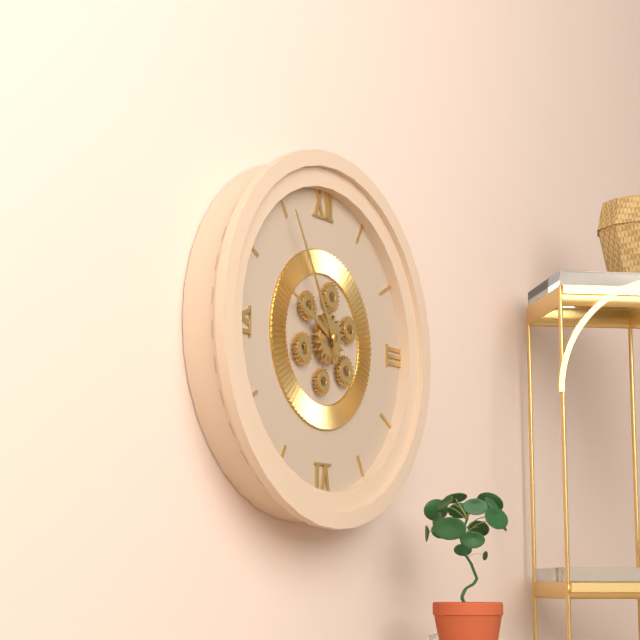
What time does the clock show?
9:55
